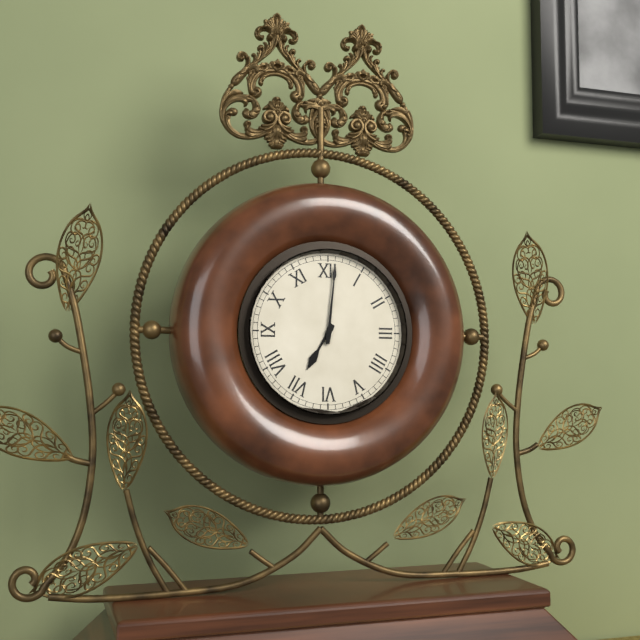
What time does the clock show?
7:01
